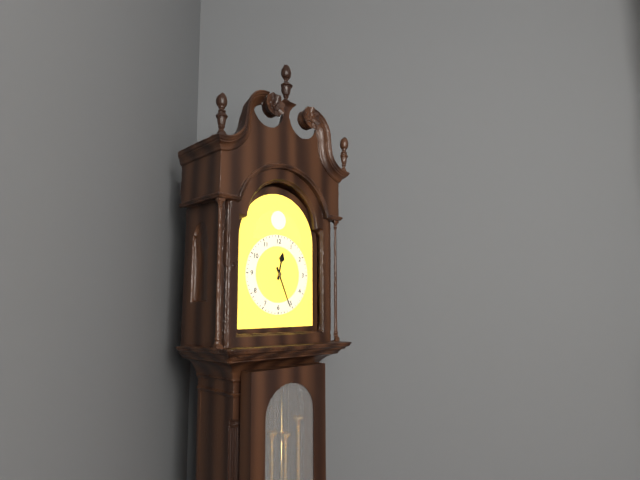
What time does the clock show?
12:26
